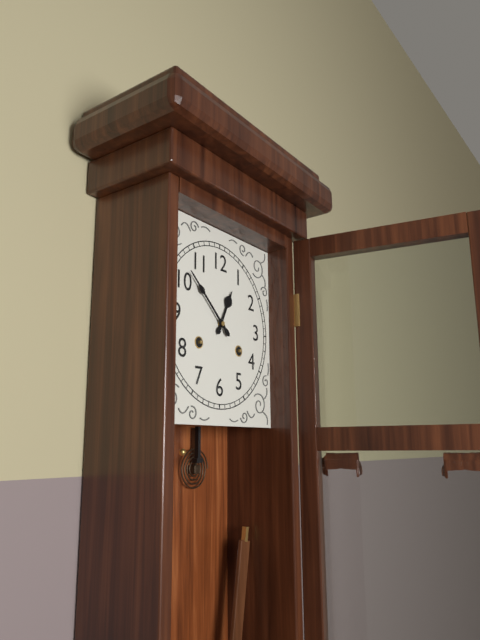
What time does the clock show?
12:52
